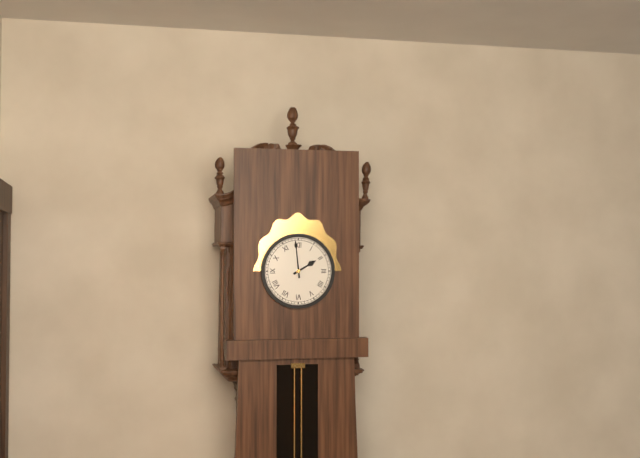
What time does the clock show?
1:59
